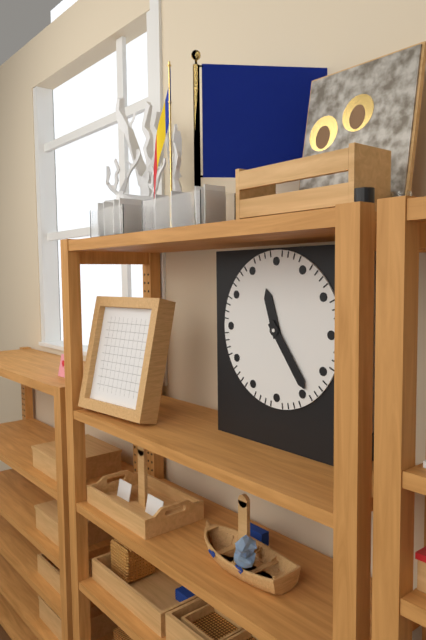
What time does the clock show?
11:24
